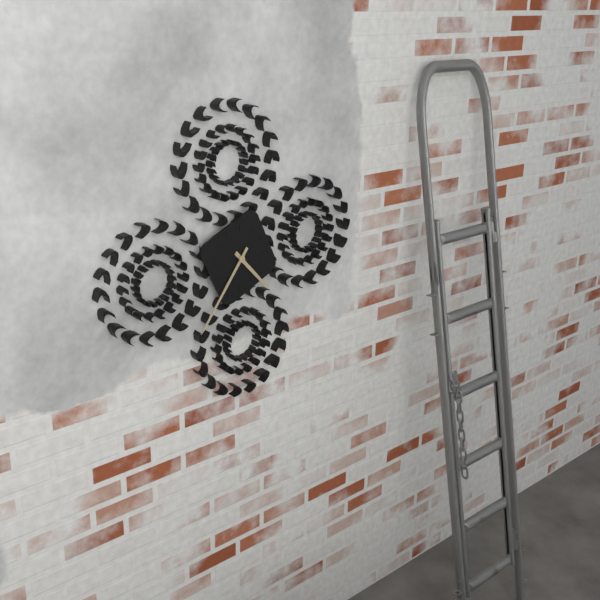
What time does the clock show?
4:36
